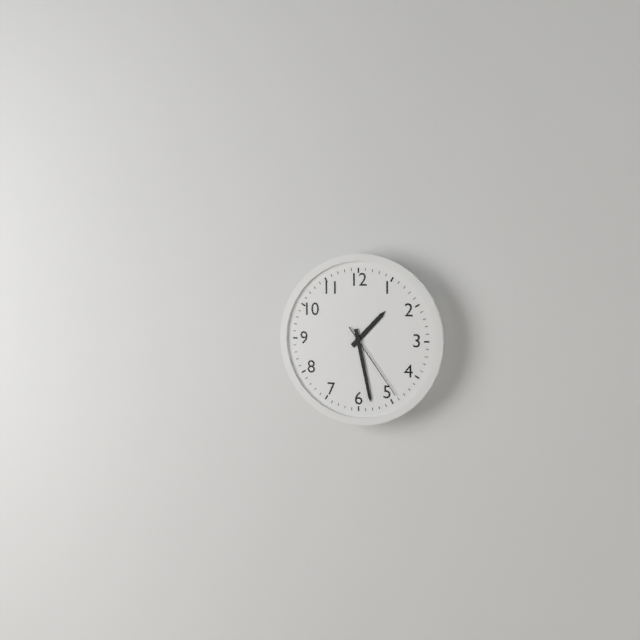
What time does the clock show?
1:28:24
